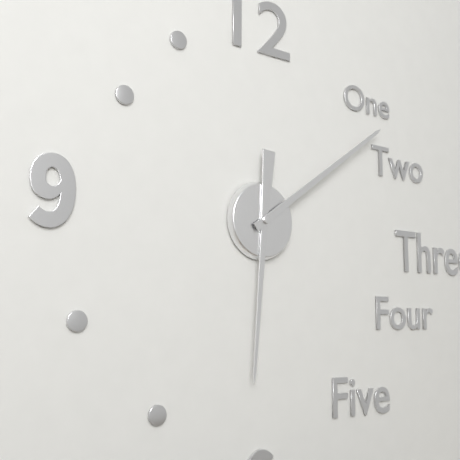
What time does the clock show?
6:09
